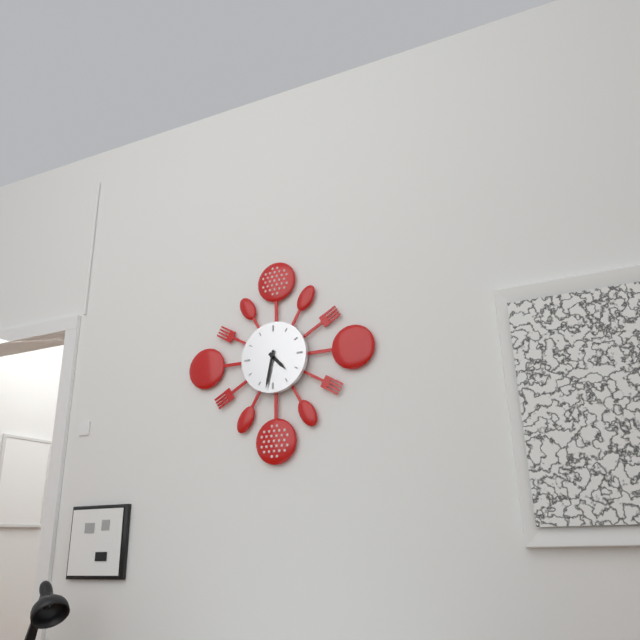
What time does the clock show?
4:32
